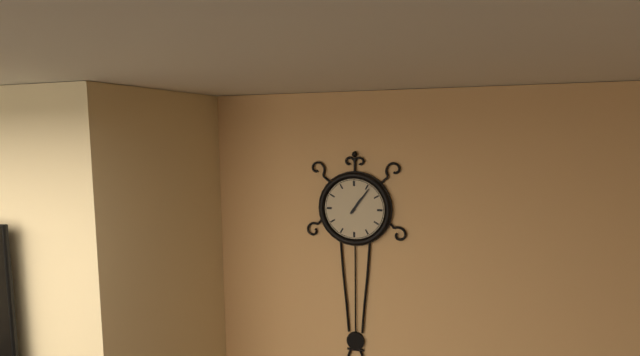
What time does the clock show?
1:06
